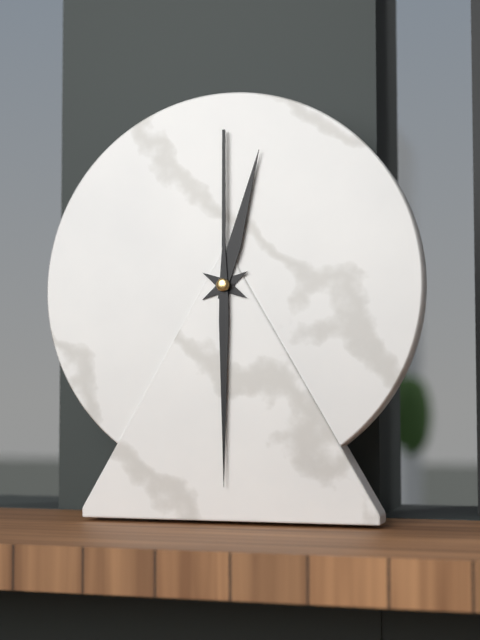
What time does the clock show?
12:30
